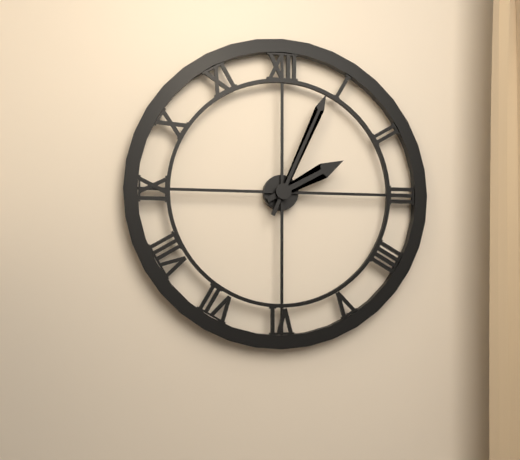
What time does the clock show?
2:04
